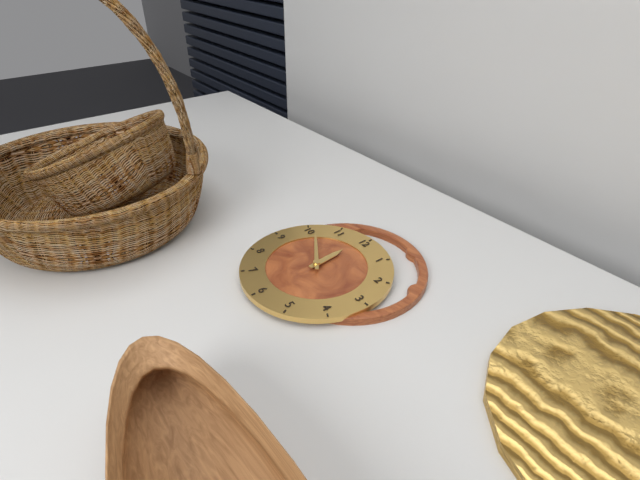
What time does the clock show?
11:51
